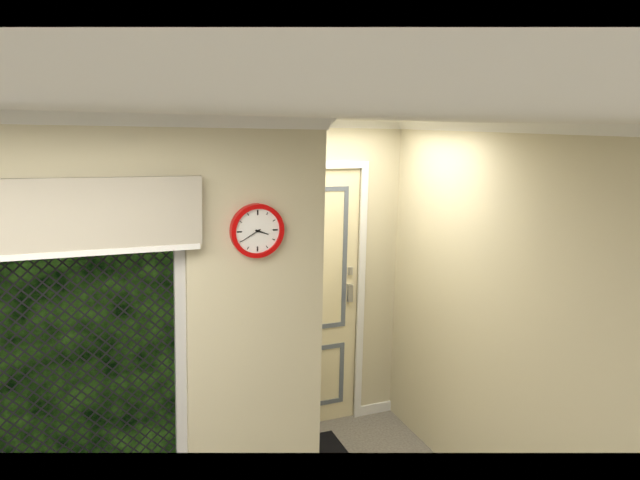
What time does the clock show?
3:40
